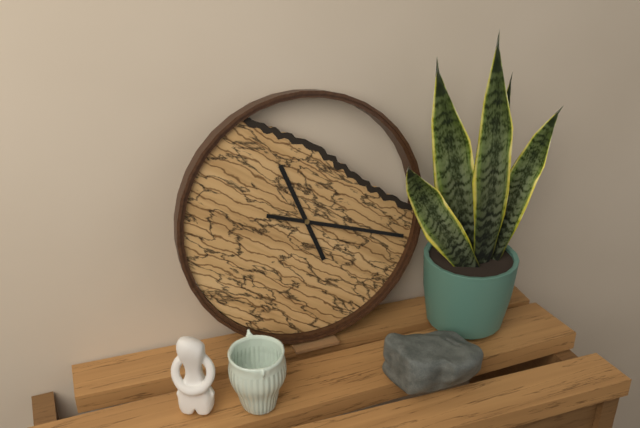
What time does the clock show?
11:18
